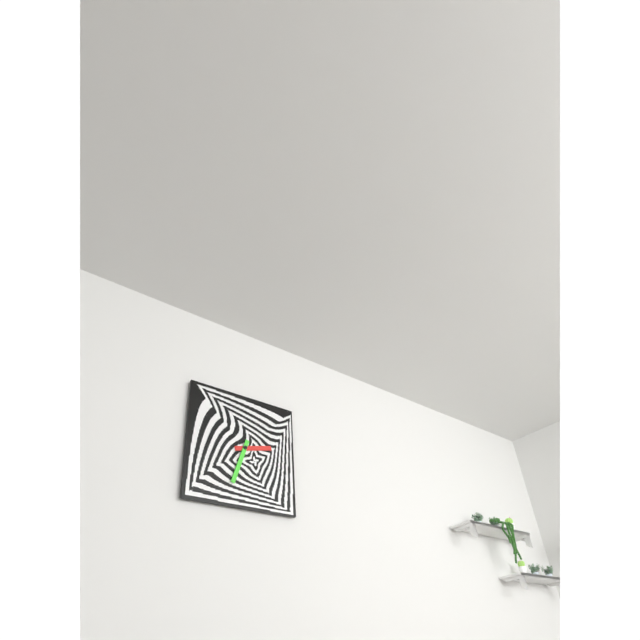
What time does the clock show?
2:33
